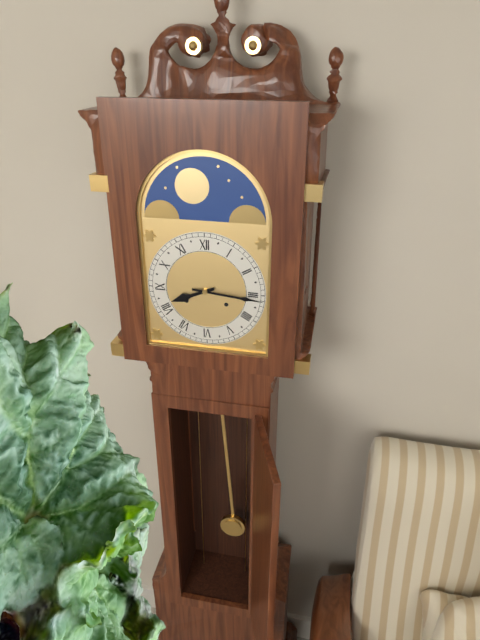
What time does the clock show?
8:16
